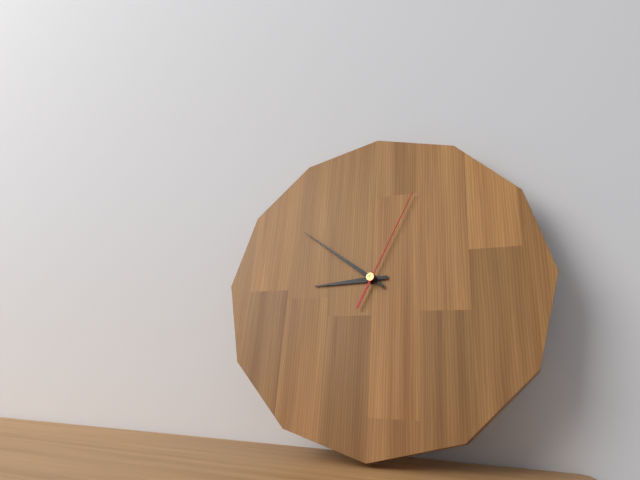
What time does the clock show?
8:51:04
